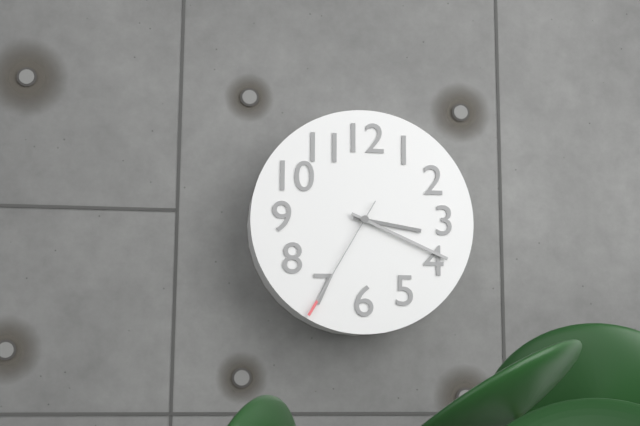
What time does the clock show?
3:19:35
